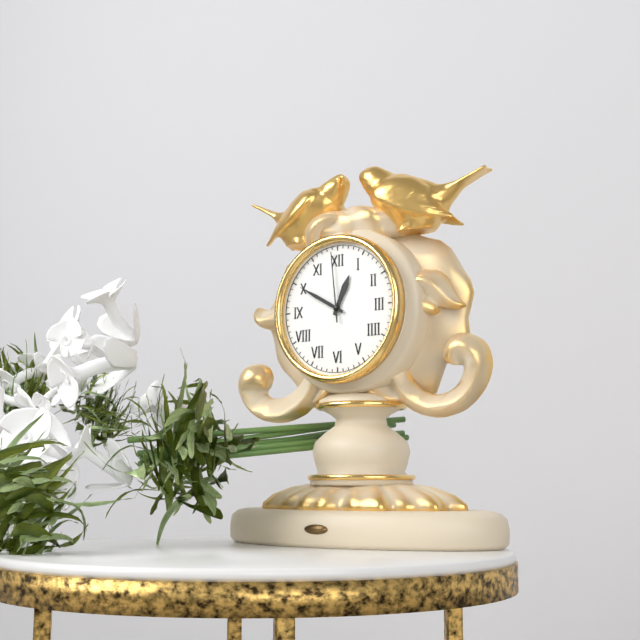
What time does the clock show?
12:50:59
